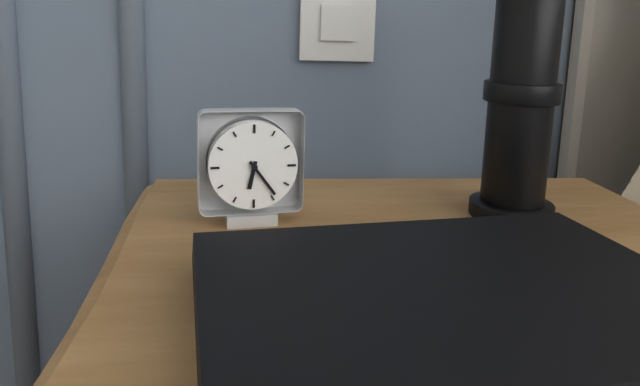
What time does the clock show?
6:24
